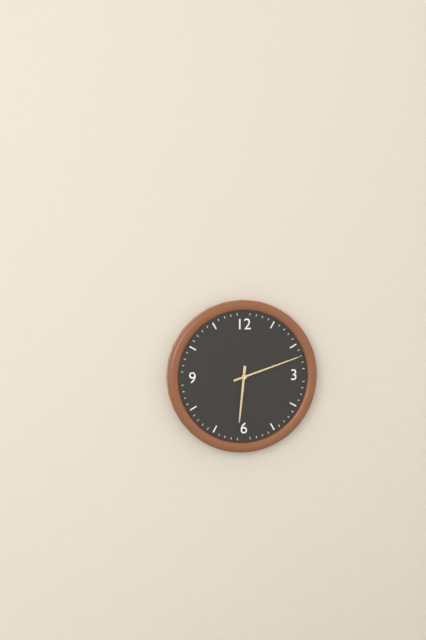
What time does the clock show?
6:12
